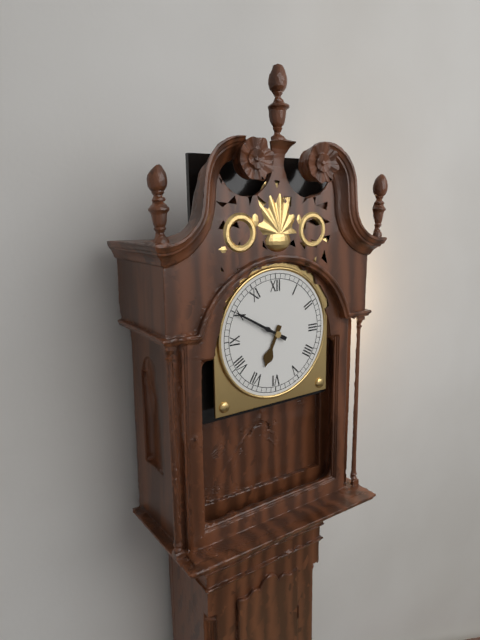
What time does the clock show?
6:50
